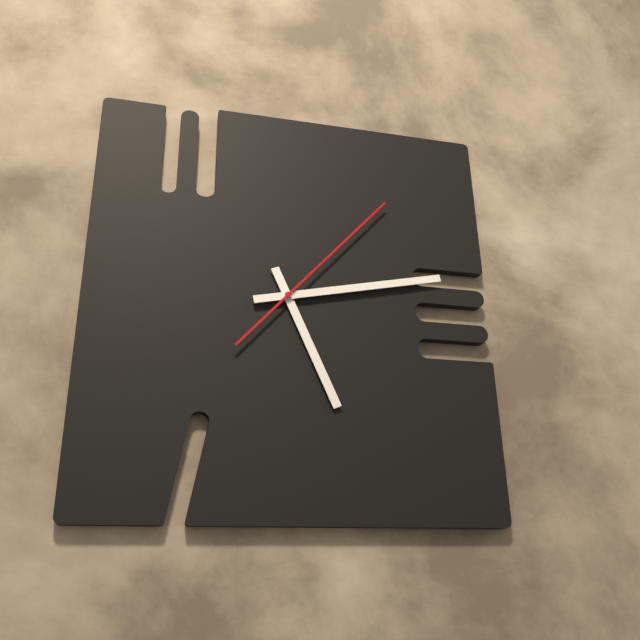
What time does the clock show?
5:13:07
